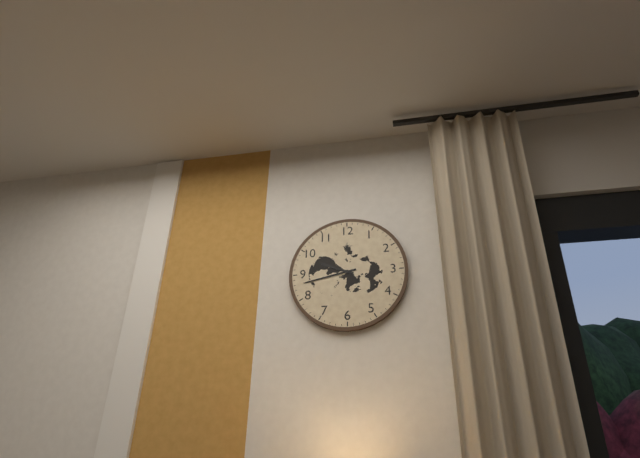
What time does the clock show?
9:43
